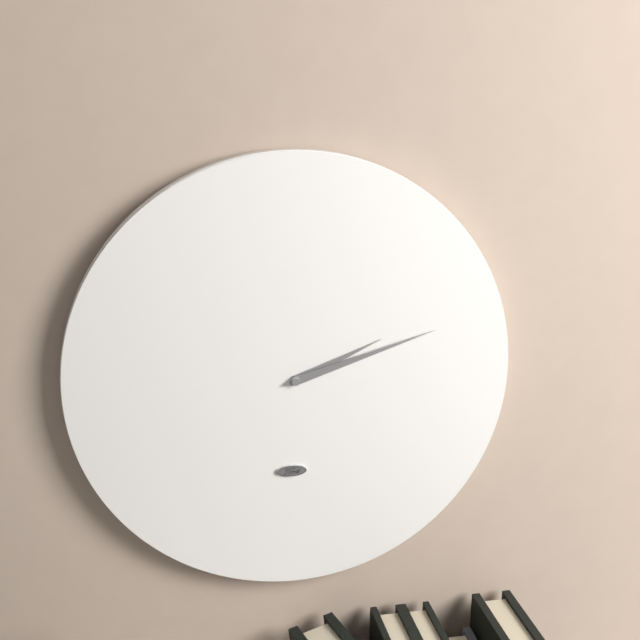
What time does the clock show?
2:12
